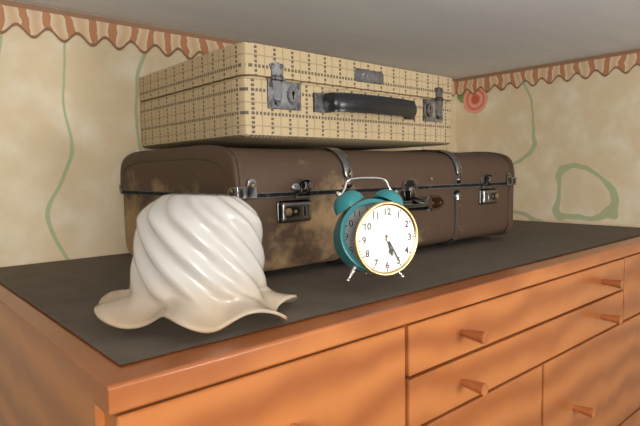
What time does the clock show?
5:25
